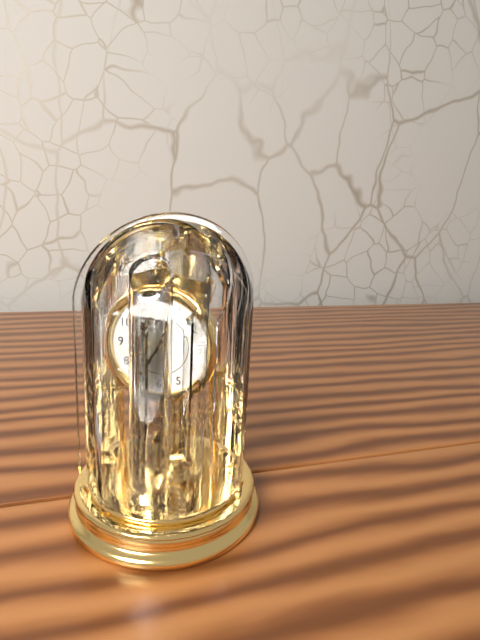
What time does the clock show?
7:03
